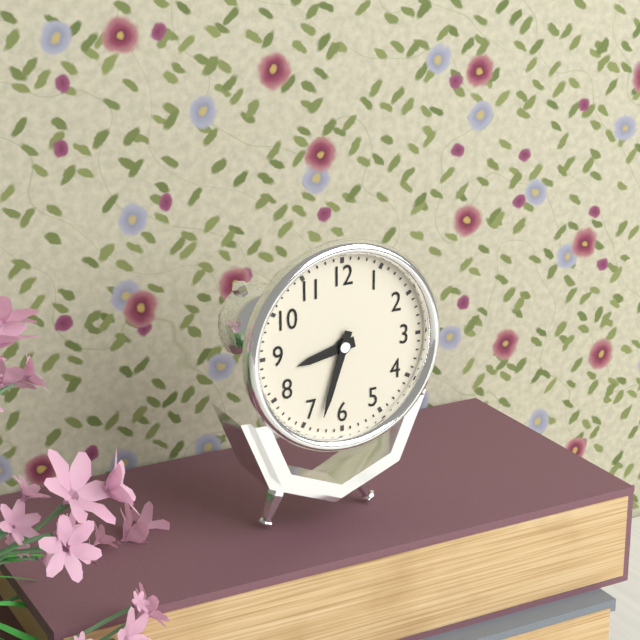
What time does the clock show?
8:33
